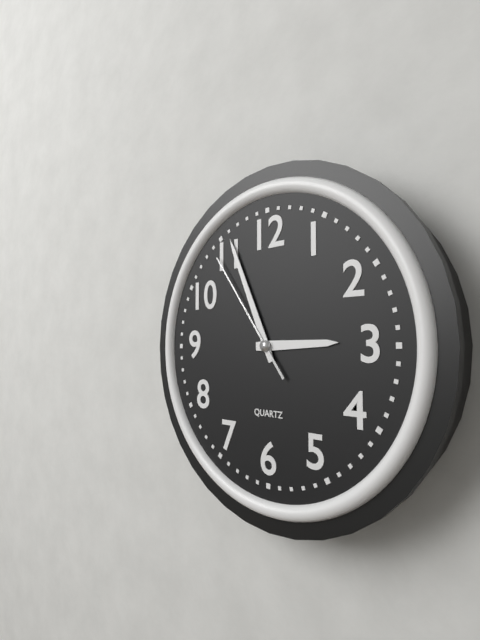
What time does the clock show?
2:56:54
